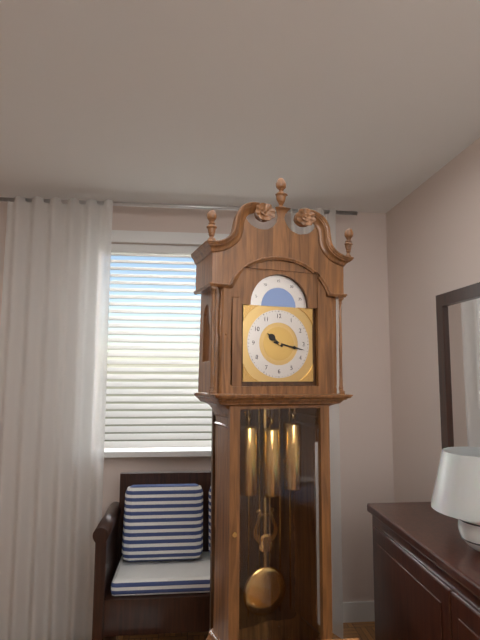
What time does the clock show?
10:17
